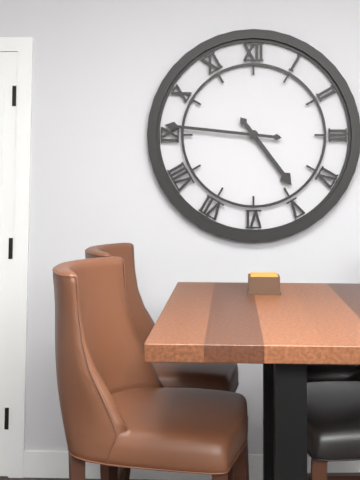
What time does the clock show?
4:46
